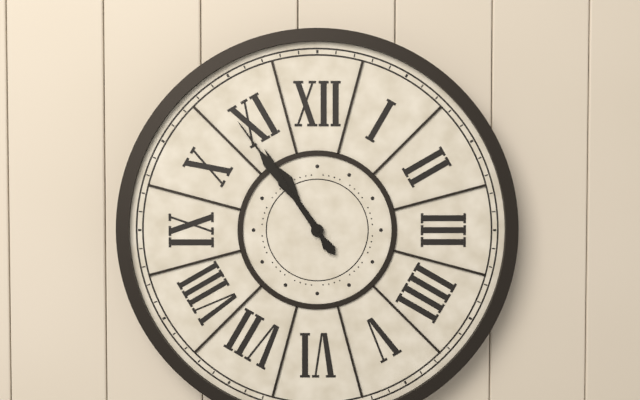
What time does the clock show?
10:54
